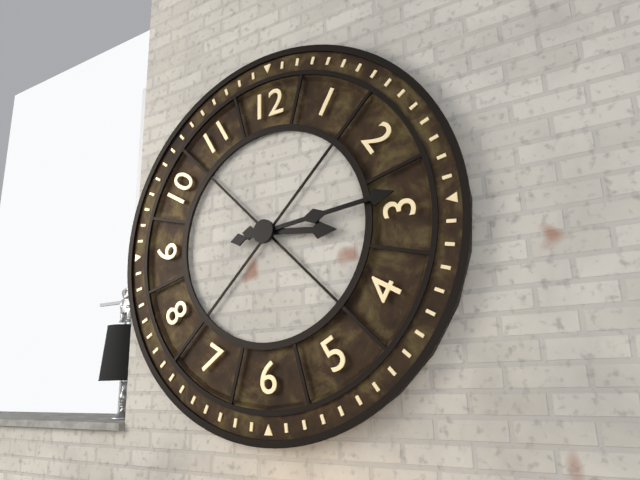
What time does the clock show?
3:14
